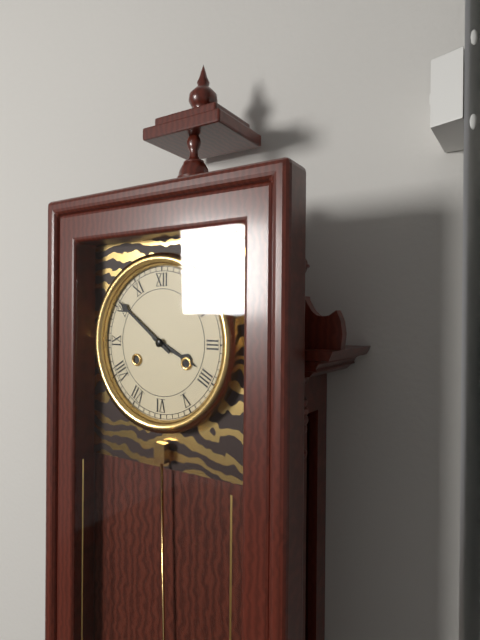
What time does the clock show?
3:51
